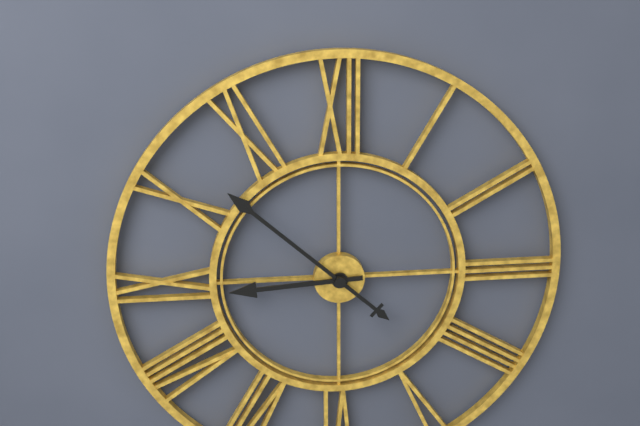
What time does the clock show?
8:52
